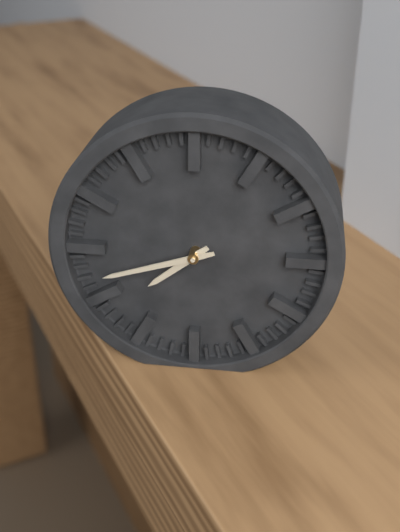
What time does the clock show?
7:42
